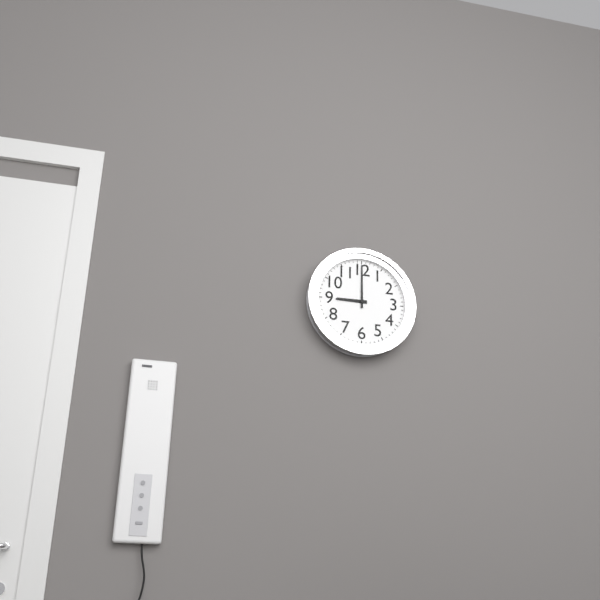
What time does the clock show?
9:00
